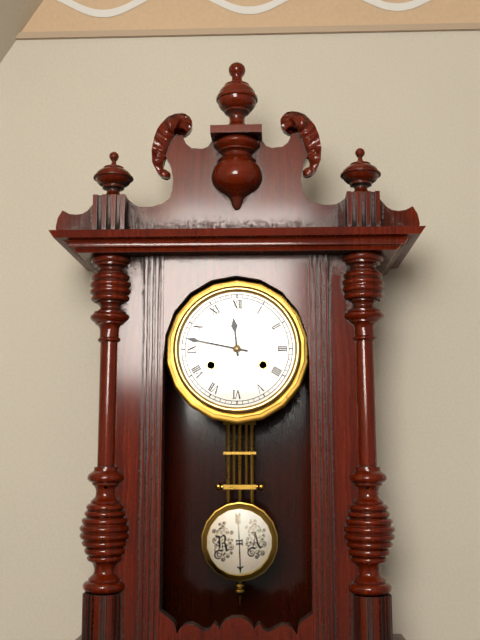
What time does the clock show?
11:47
